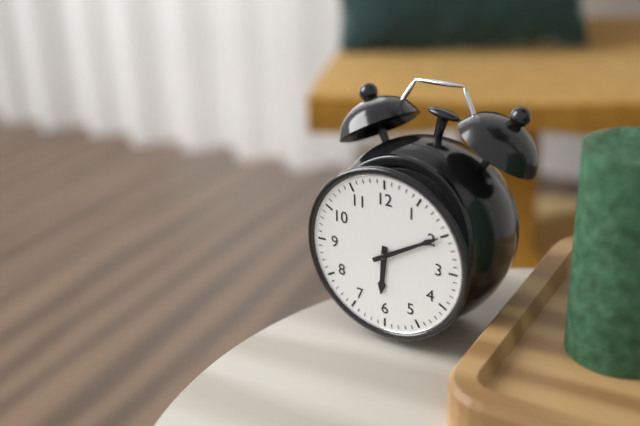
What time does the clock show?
6:10
